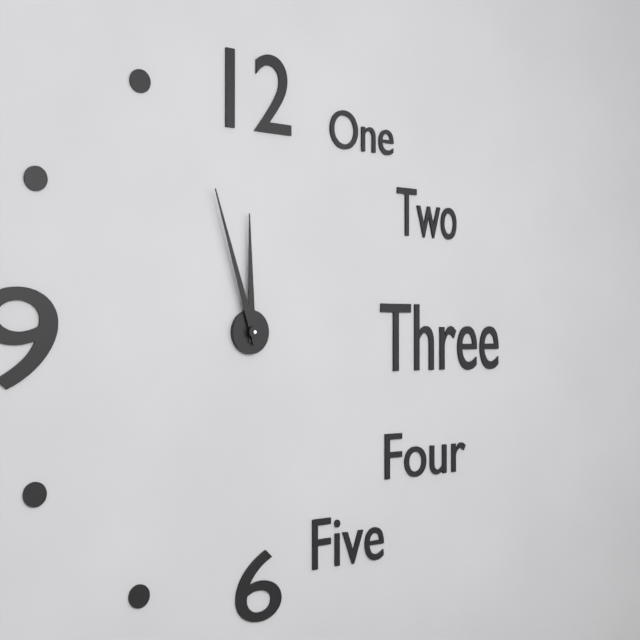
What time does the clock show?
11:57
